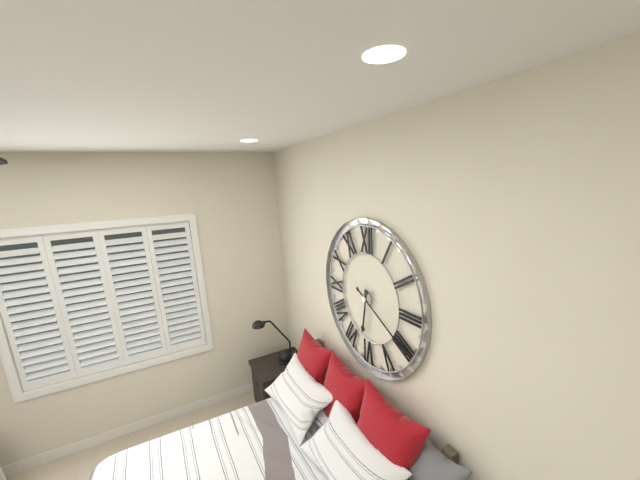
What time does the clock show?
6:20
